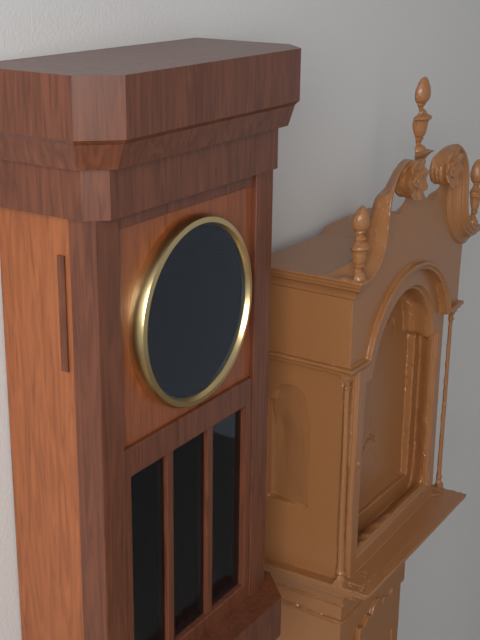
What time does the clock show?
6:18
